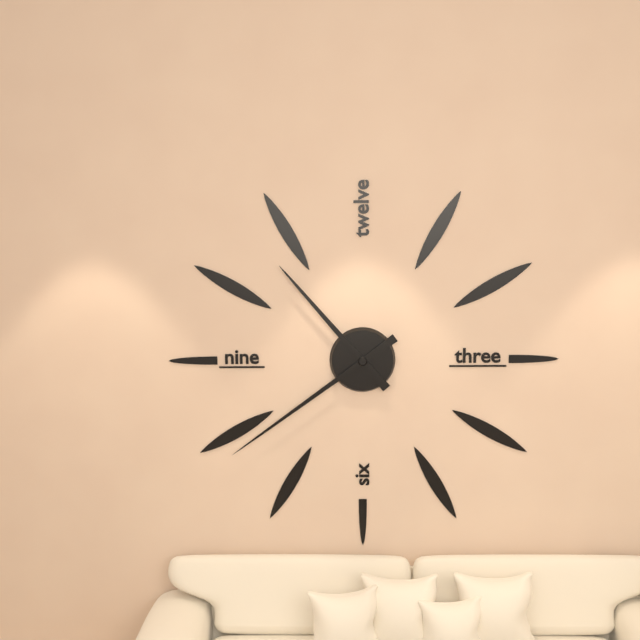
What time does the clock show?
10:39
